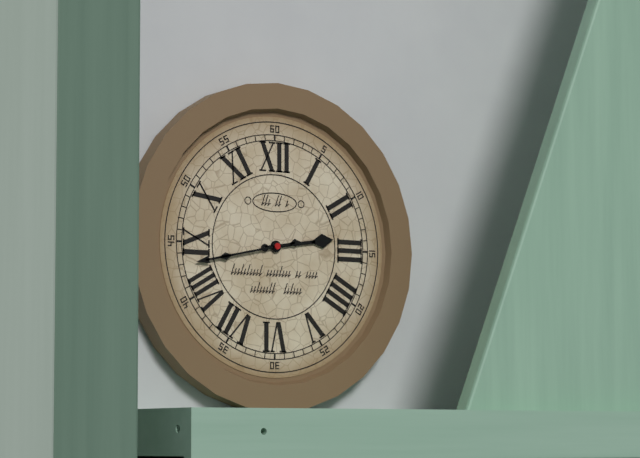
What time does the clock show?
2:43
